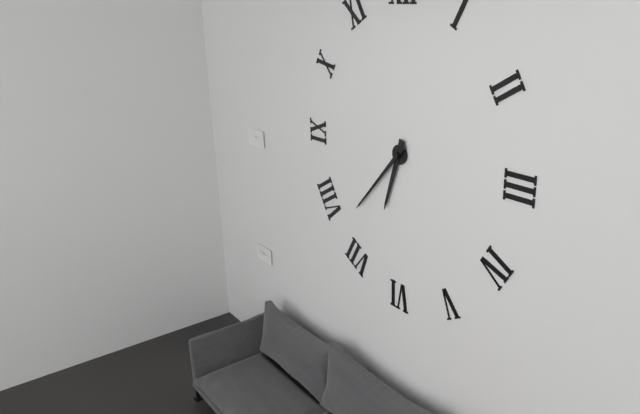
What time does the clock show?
6:37
